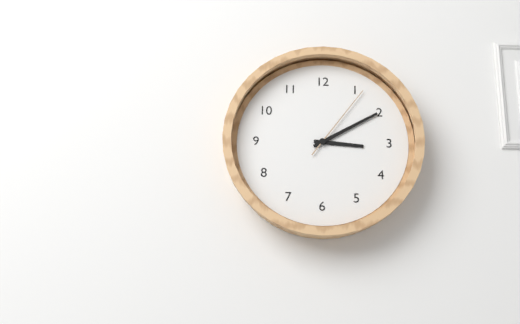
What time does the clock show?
3:10:06
